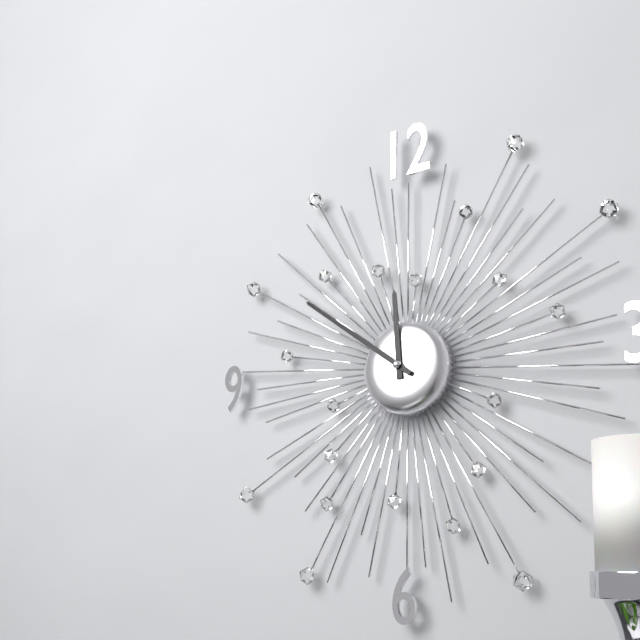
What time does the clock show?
11:51
